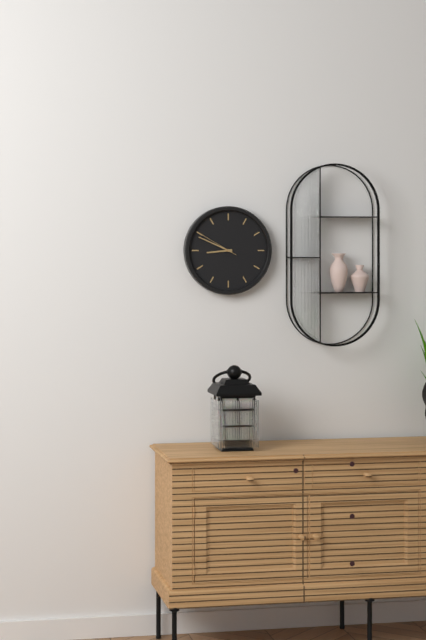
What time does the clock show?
8:49
